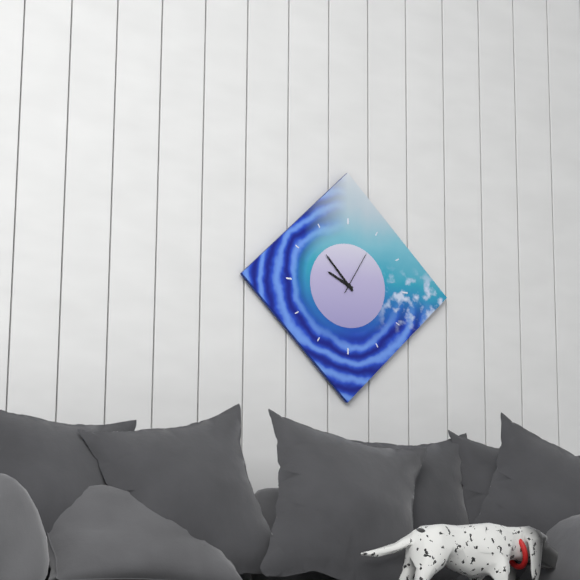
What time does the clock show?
9:53
